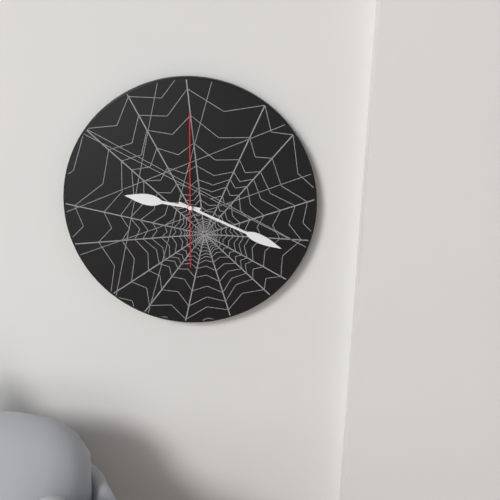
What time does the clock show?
9:19:00
